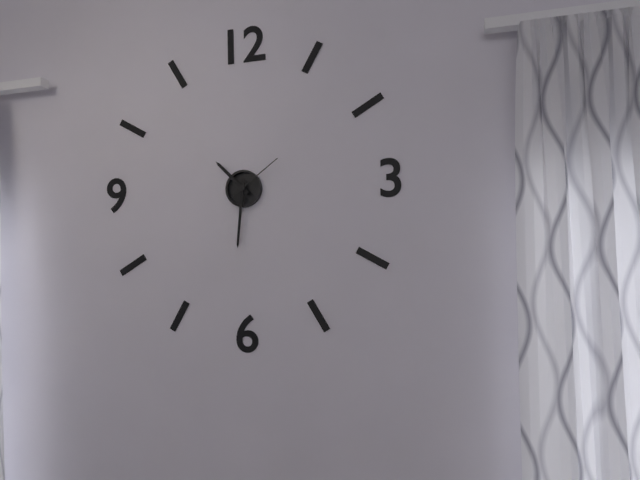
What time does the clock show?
10:31:09
